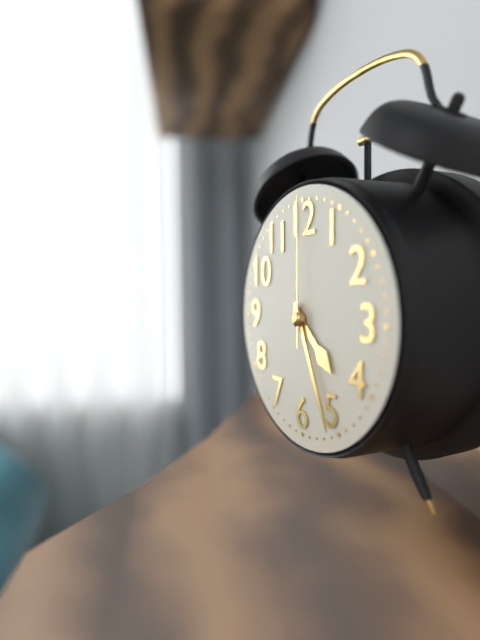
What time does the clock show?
4:26:00
